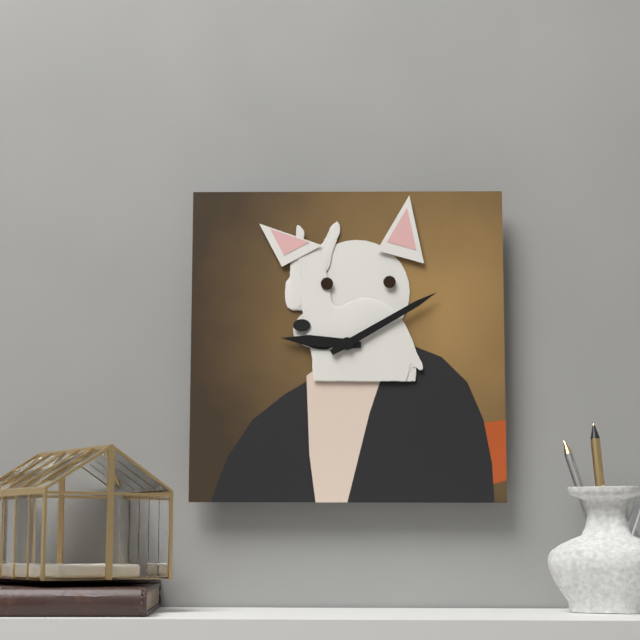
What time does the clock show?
9:10
